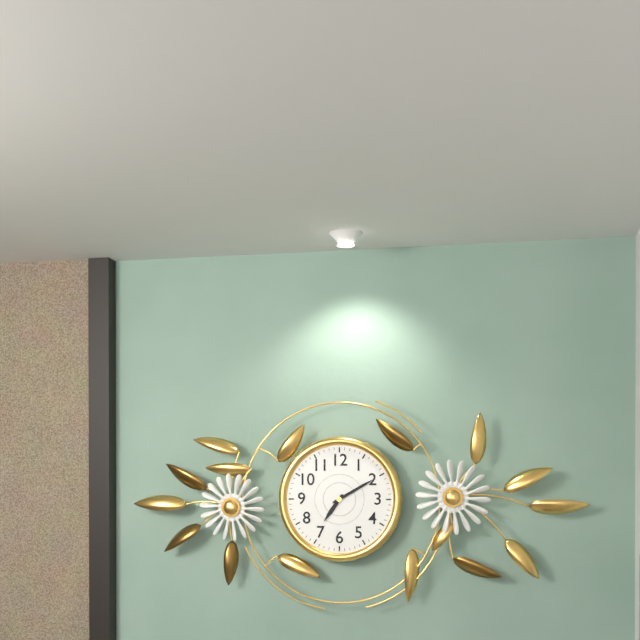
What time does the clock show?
7:10
